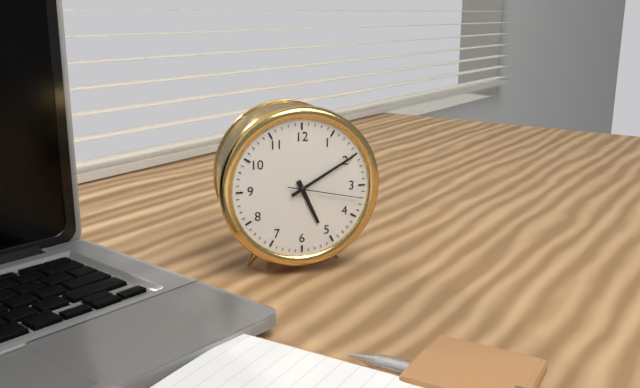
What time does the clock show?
5:10:17
